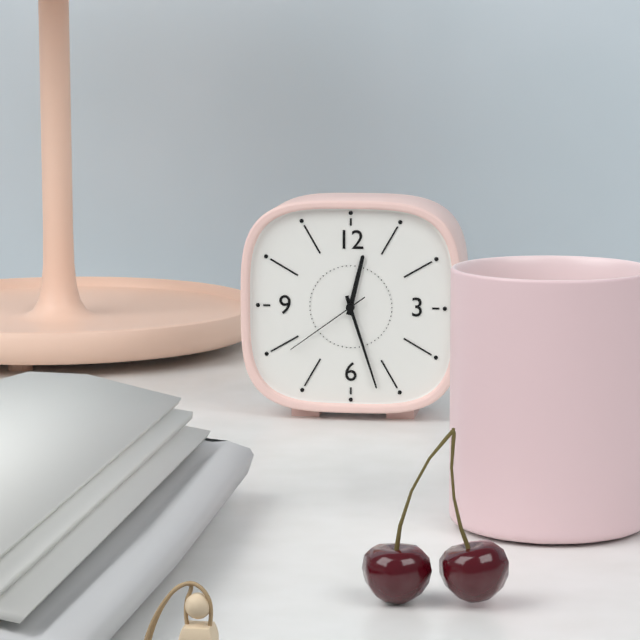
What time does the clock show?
12:27:39
